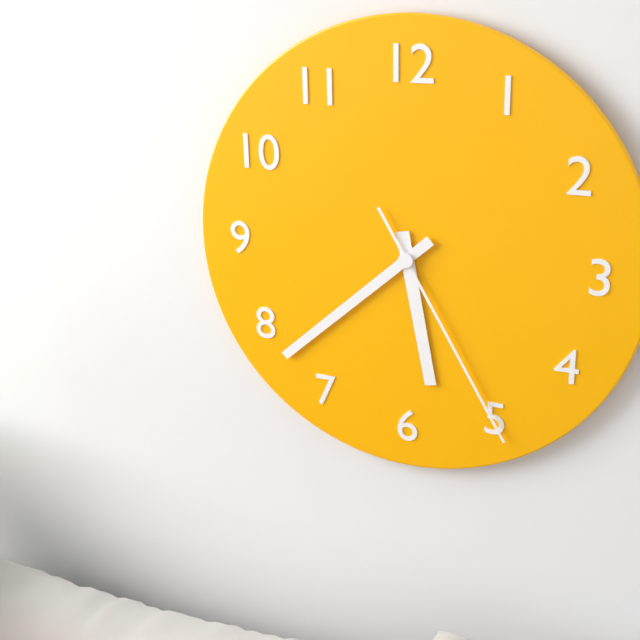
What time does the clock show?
5:38:25
